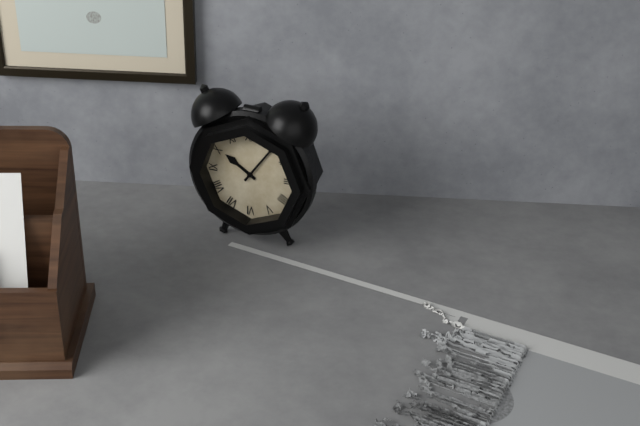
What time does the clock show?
10:06
